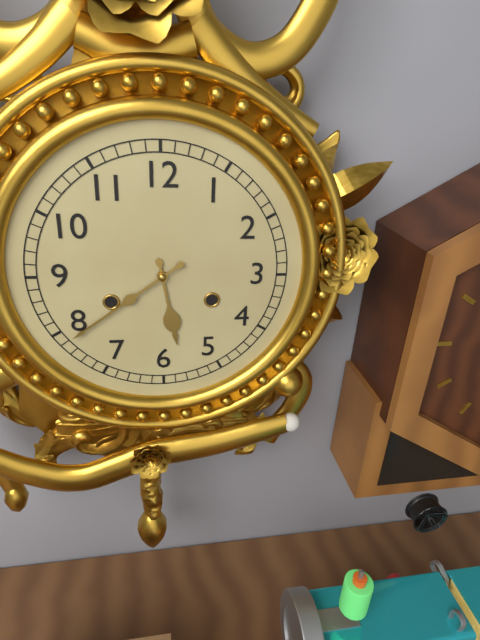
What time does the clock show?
5:39
